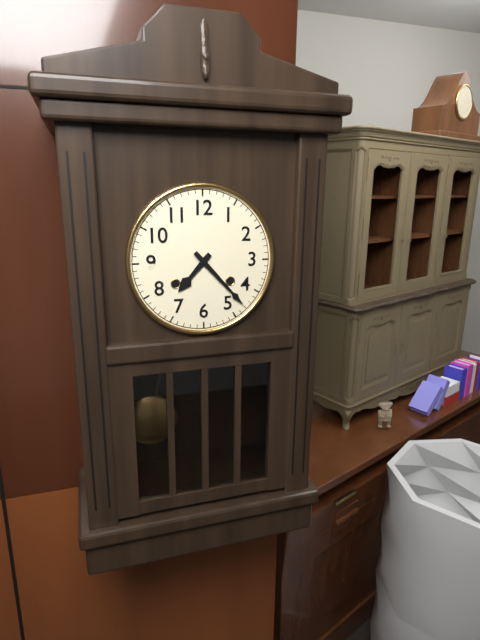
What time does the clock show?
7:23
